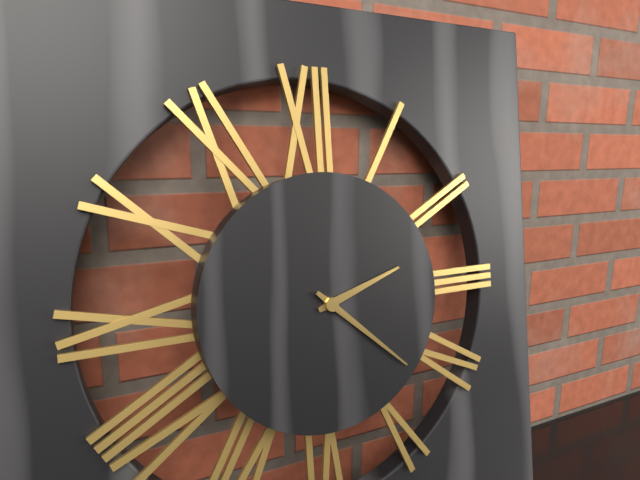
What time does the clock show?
2:22
